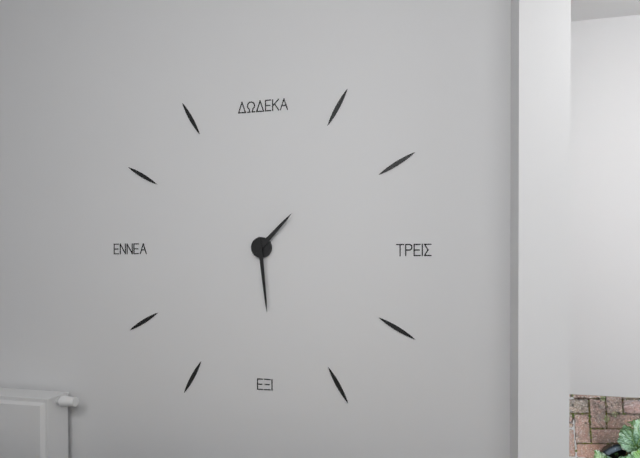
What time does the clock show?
1:29
